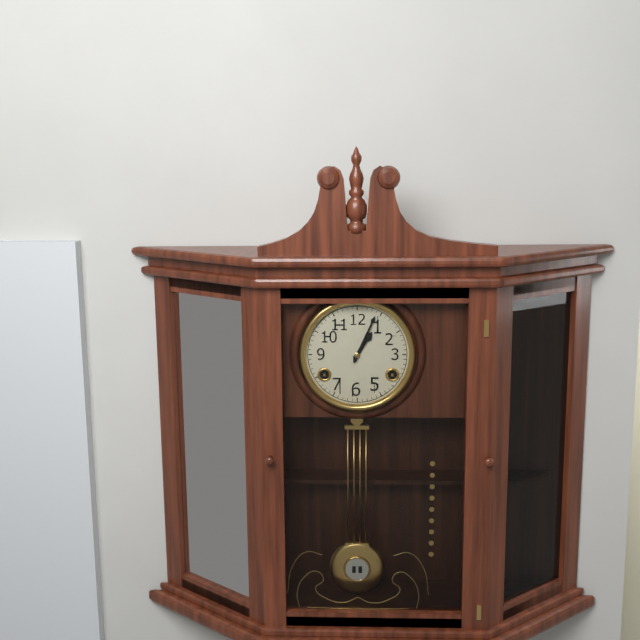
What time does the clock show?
1:04
